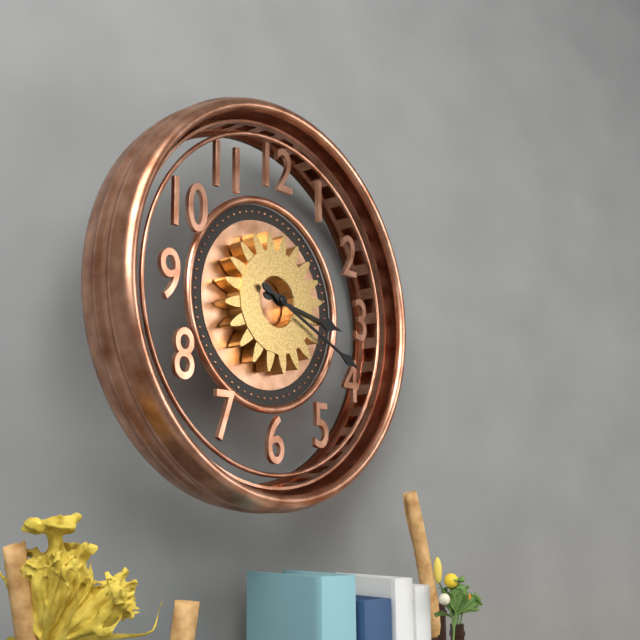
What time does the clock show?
3:19
